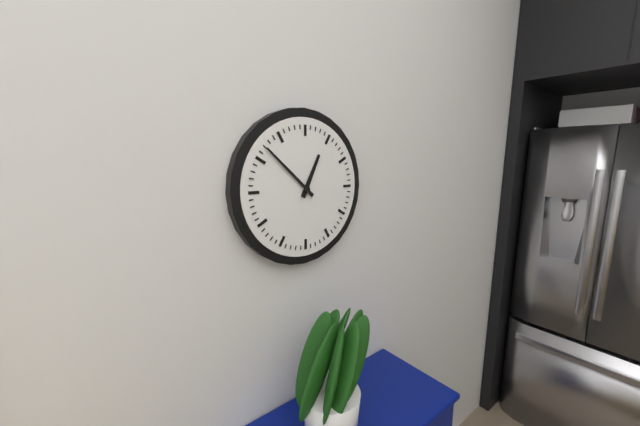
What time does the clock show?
12:52
